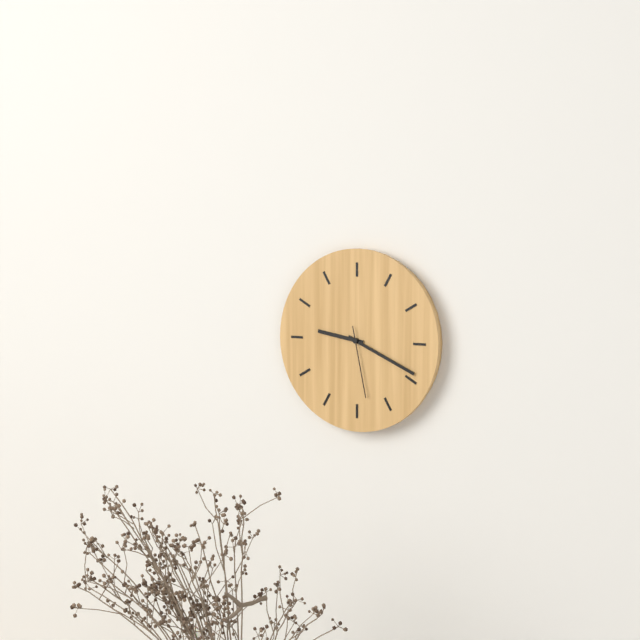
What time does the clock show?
9:19:28
